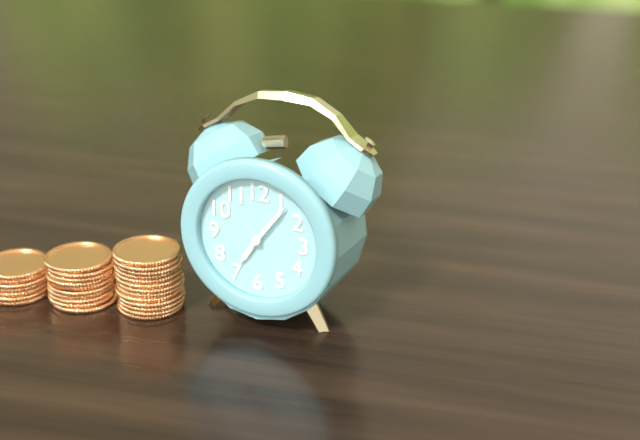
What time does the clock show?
7:06
